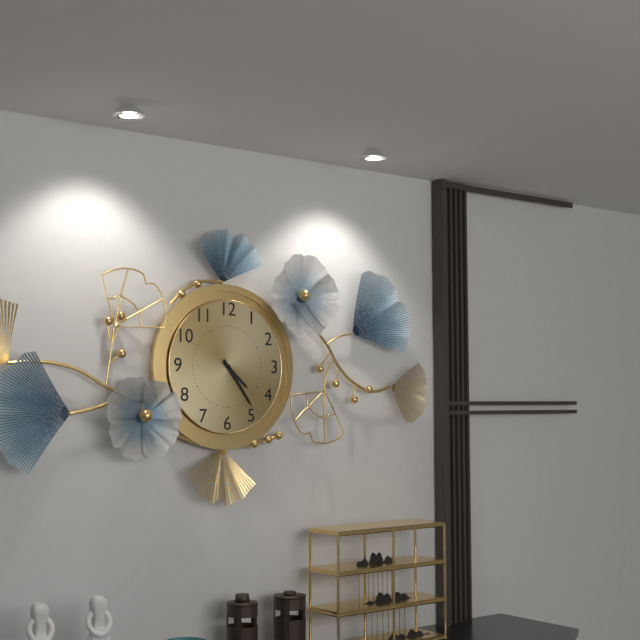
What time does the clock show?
4:24
